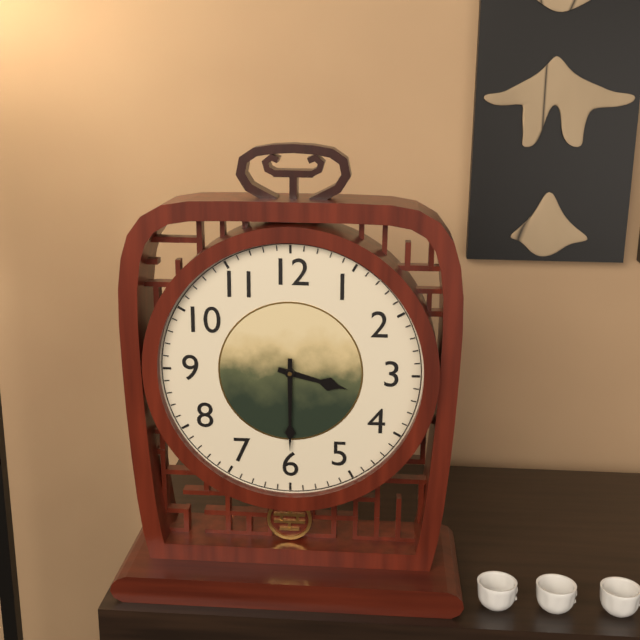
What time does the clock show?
3:30
